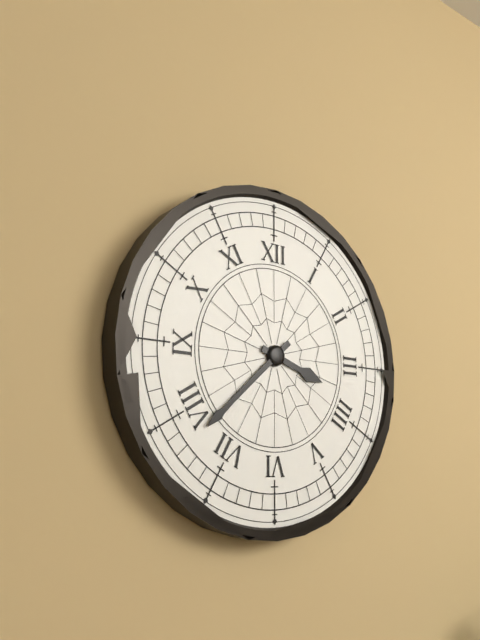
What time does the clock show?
3:38
